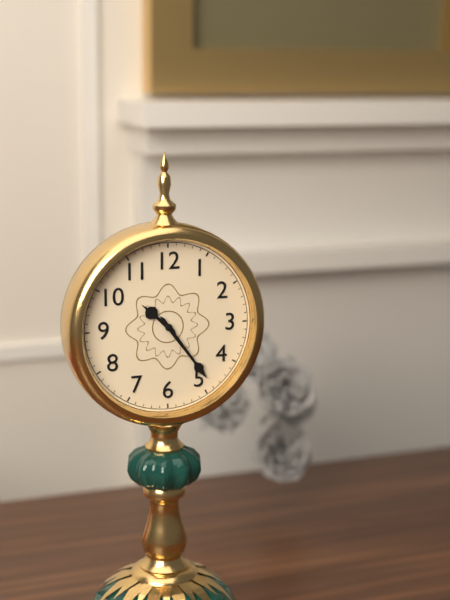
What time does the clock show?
10:24
